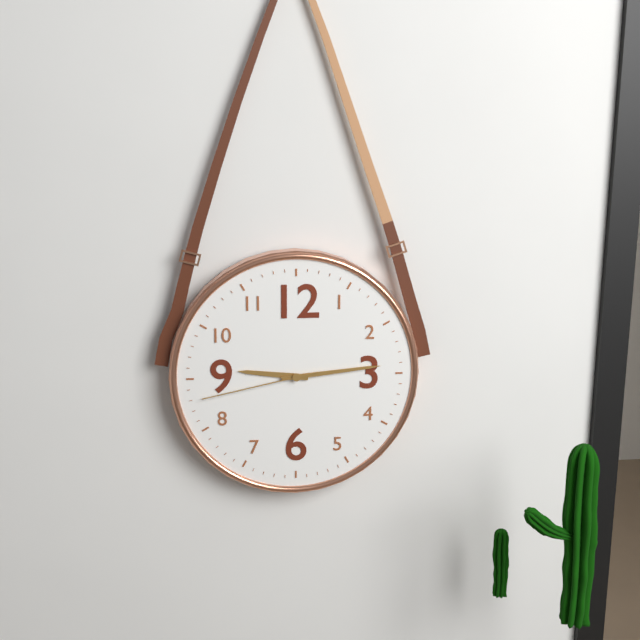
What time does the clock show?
9:14:43
